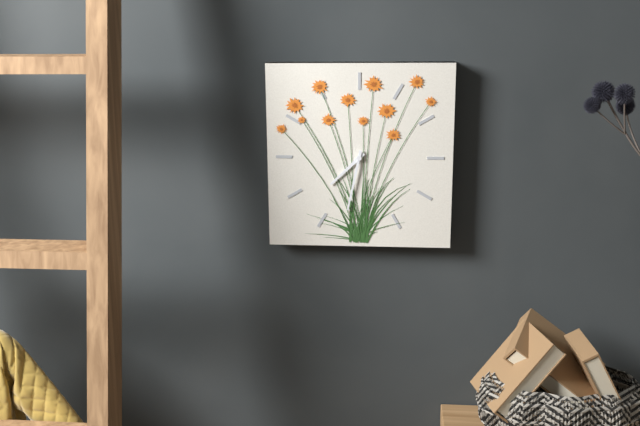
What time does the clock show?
7:32
